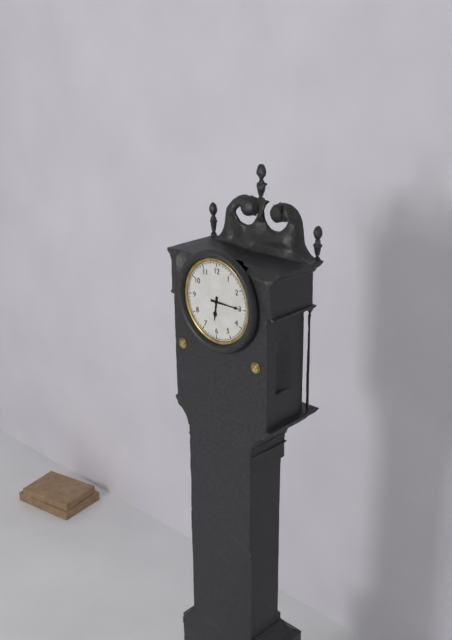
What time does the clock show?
6:15
